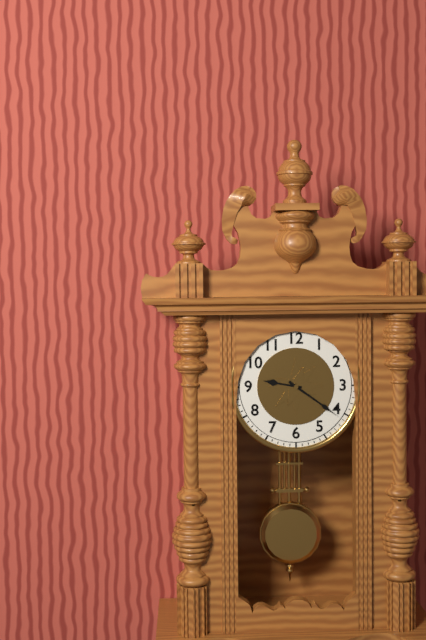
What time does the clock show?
9:21
